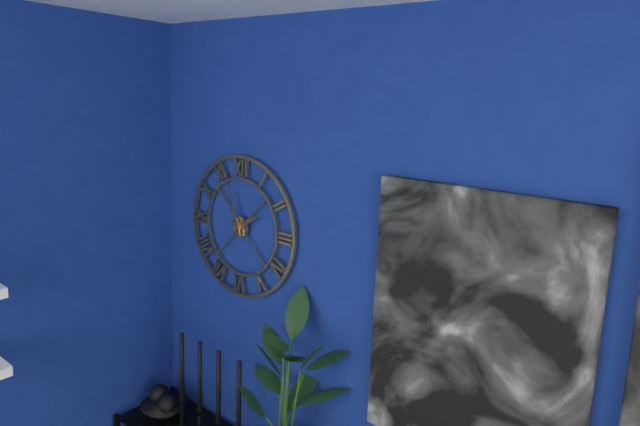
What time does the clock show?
1:57
